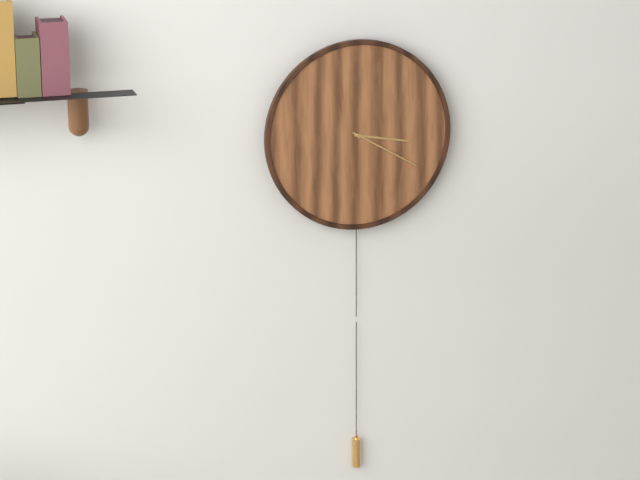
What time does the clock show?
3:20
